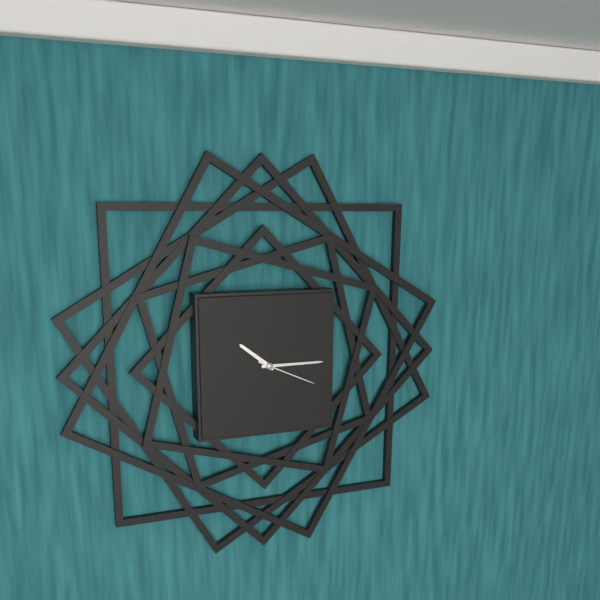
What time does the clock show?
10:15:19
